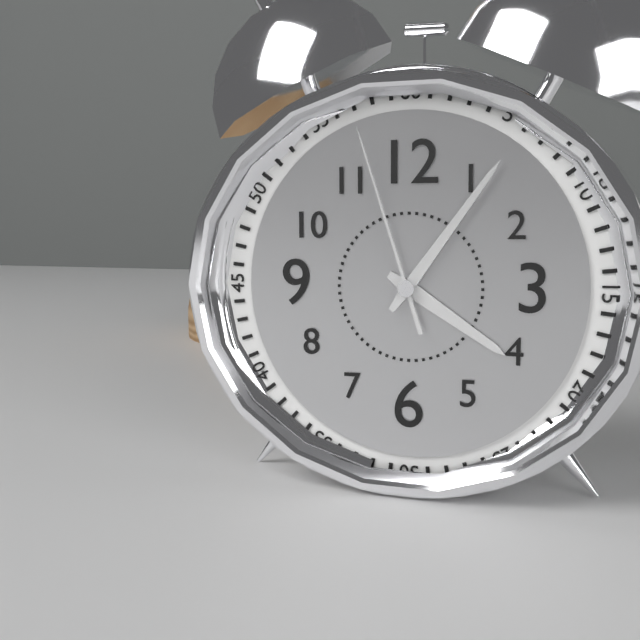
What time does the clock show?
4:06:57
